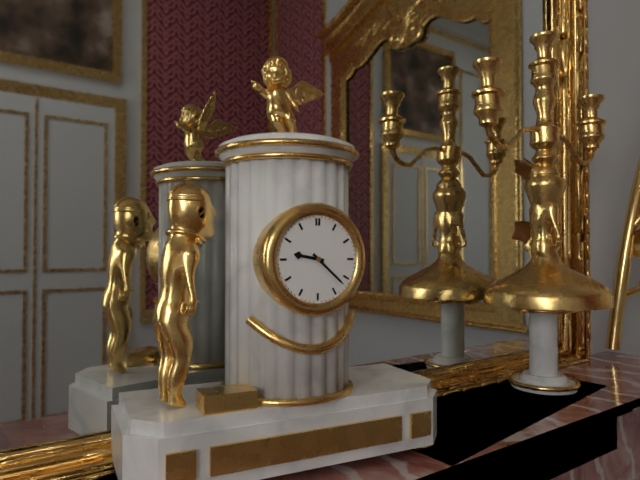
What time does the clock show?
9:22
